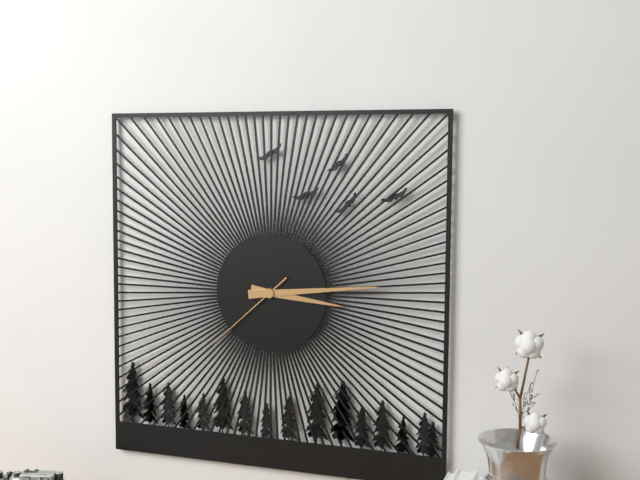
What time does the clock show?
3:14:38
